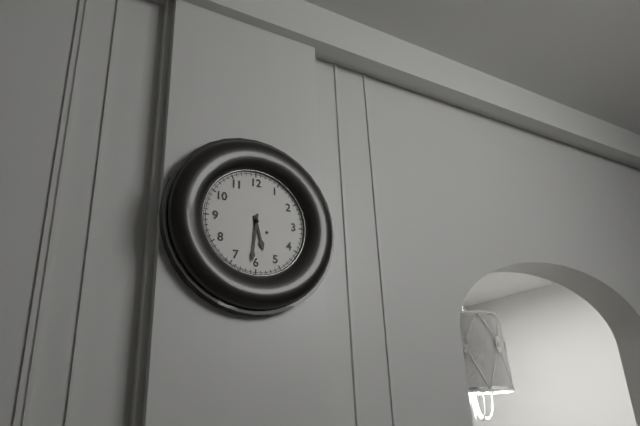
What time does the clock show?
5:31
